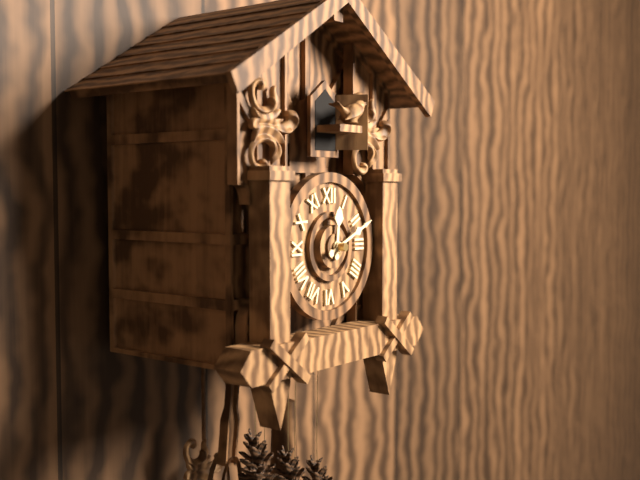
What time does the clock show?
12:11
